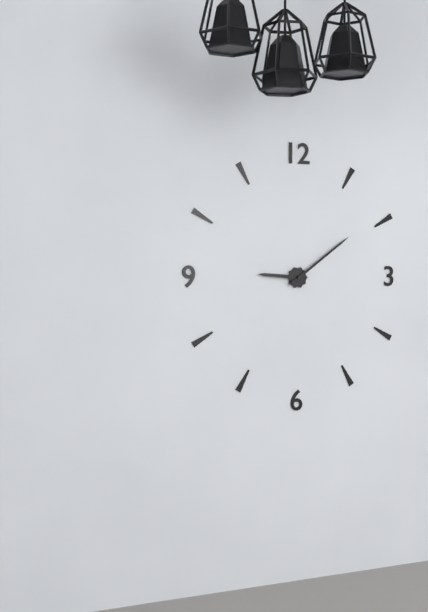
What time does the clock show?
9:09
